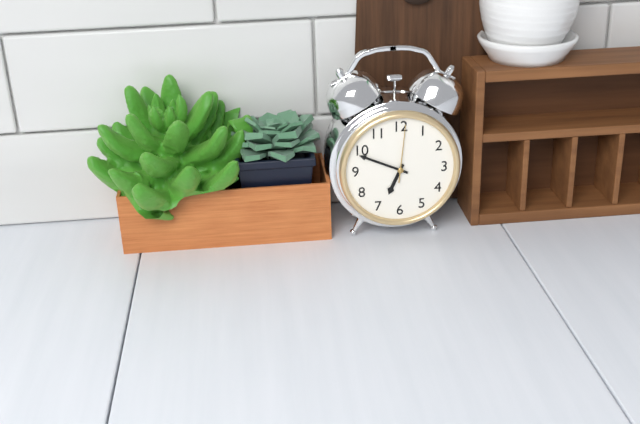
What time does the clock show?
6:49:01
